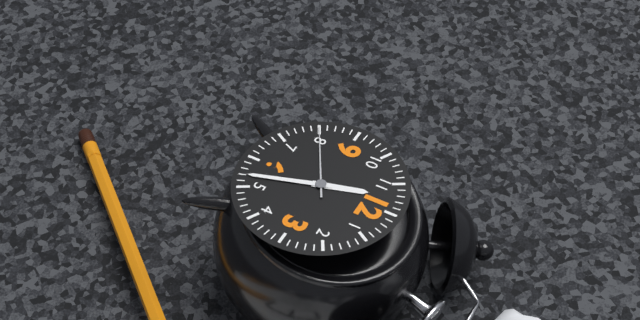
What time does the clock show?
11:27:40
